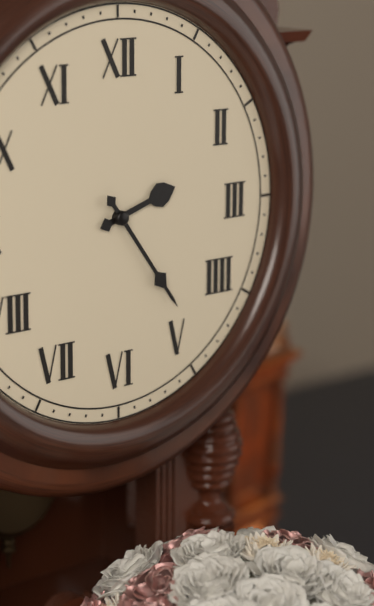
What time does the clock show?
2:24
